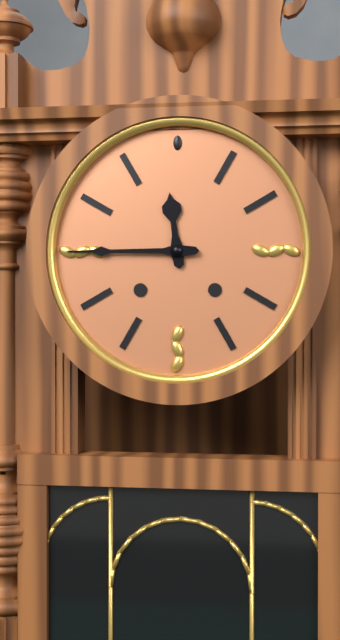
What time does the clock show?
11:45
